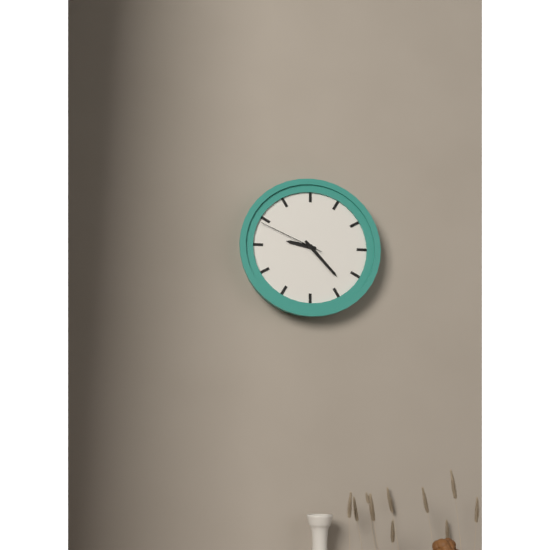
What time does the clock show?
9:23:49
